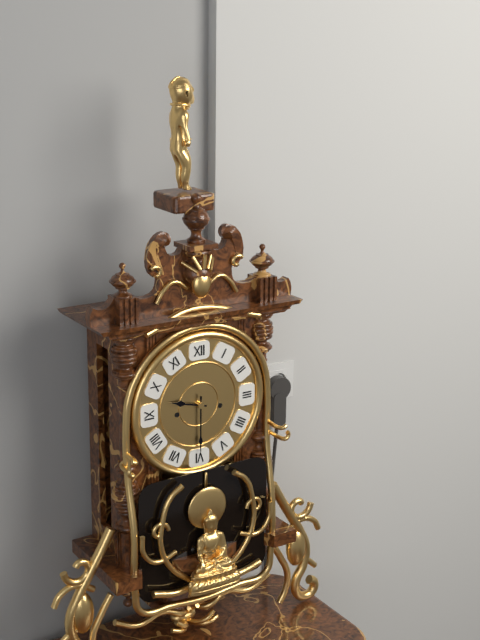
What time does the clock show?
9:30
